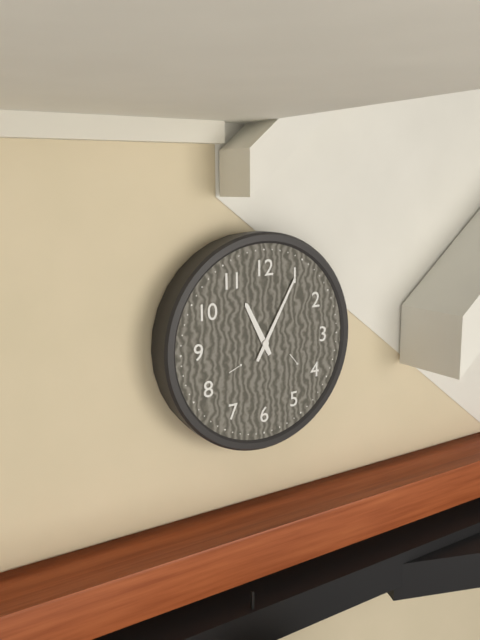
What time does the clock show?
11:05
